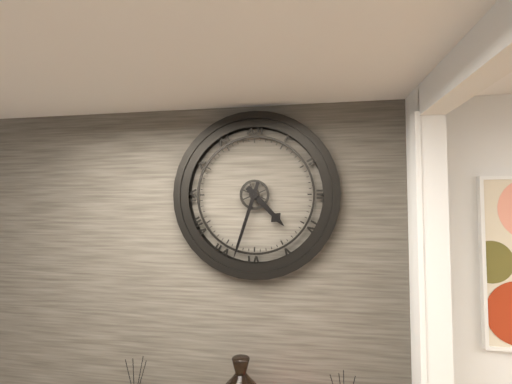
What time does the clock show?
4:33
